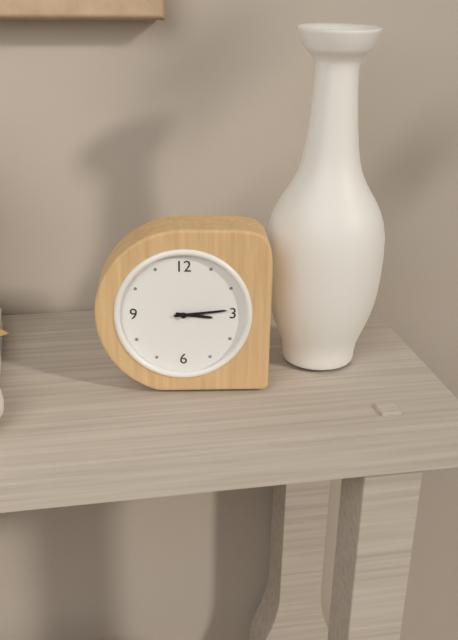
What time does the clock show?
3:14
